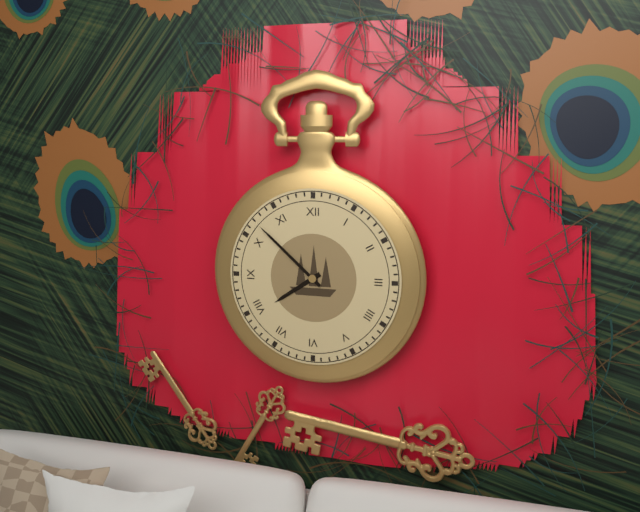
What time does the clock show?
7:52
